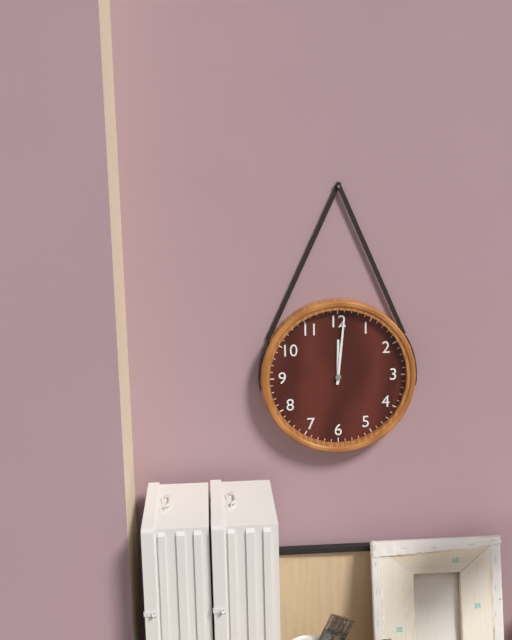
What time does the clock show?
12:01
